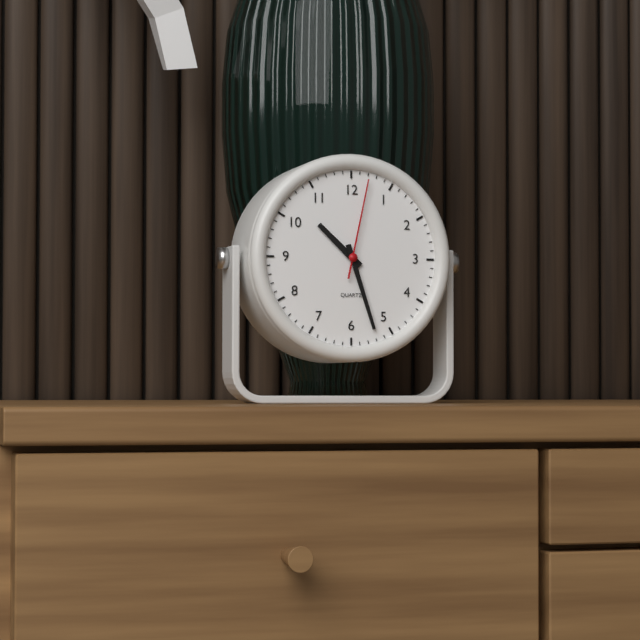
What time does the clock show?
10:27:02
